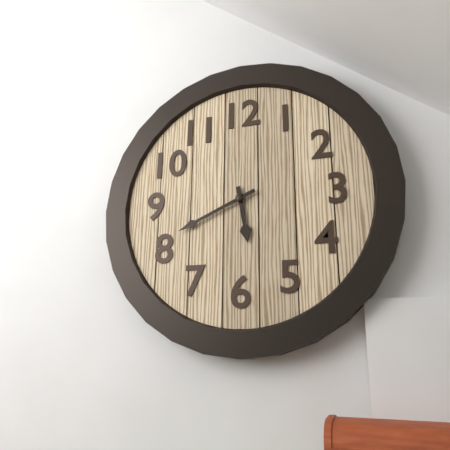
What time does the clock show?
5:41
